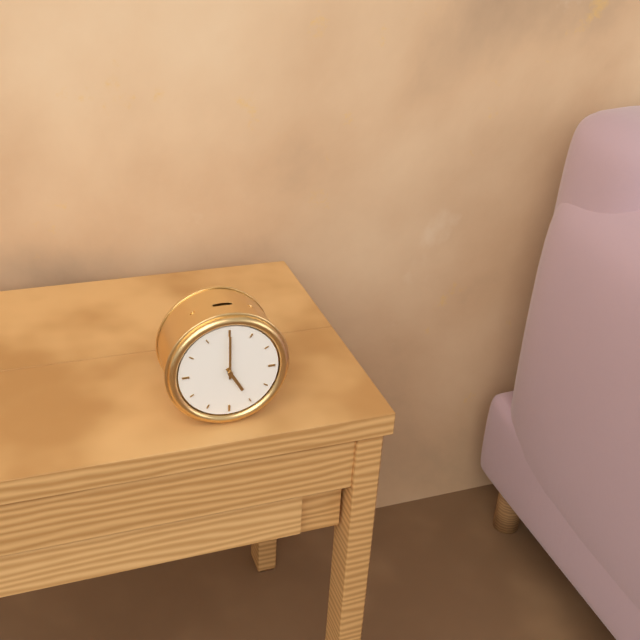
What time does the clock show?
5:00
